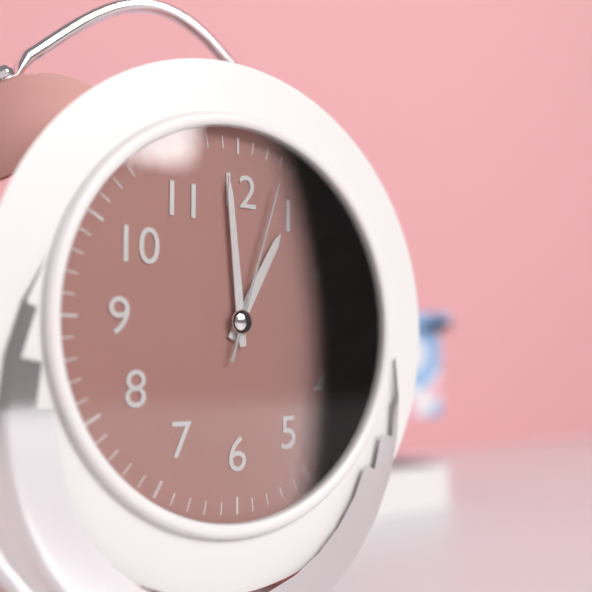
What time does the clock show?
12:59:03
